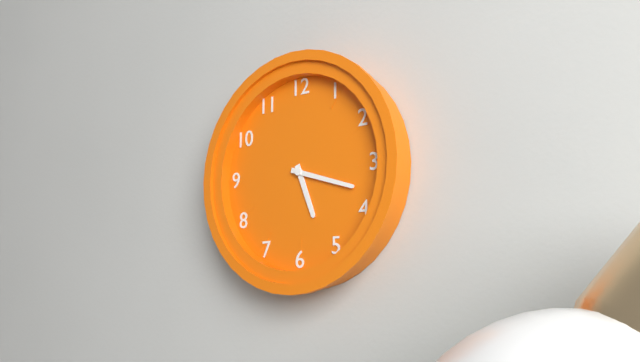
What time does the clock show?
5:18
